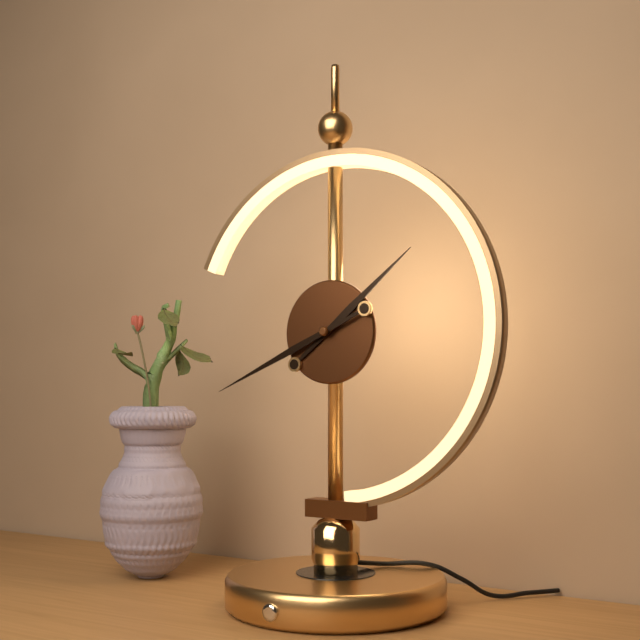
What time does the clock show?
1:41
